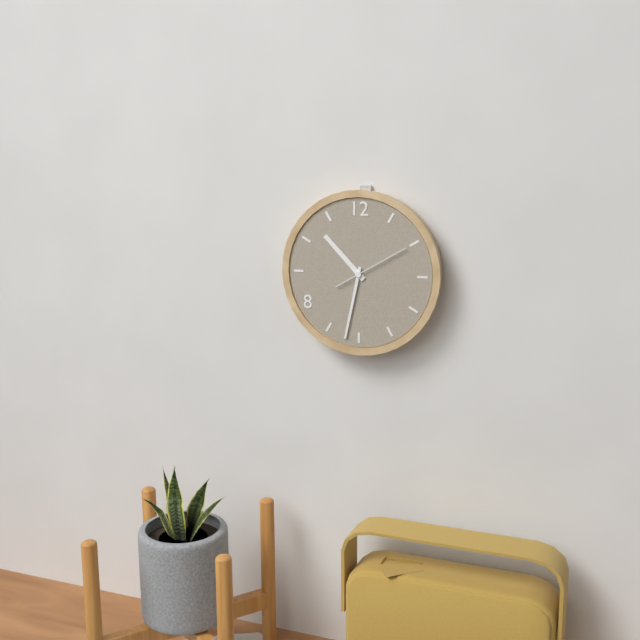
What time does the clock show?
10:32:10
